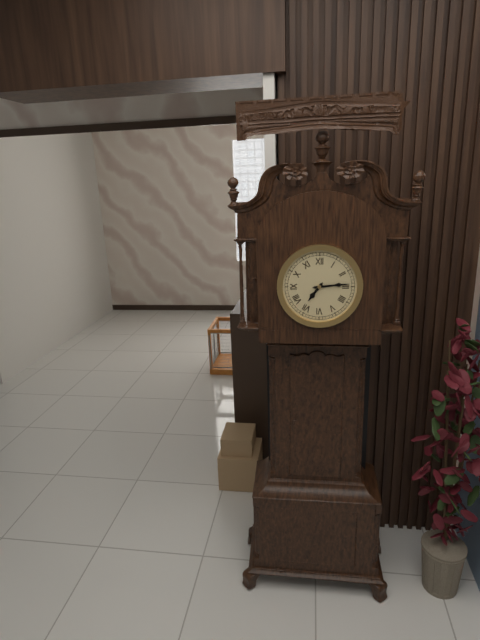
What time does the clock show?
7:14
